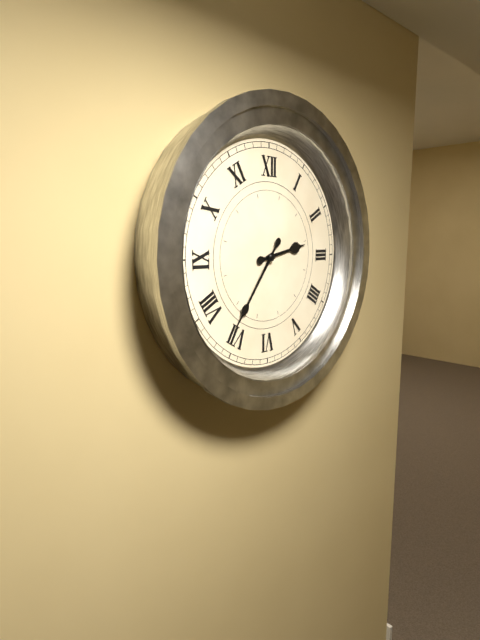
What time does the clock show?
2:36
